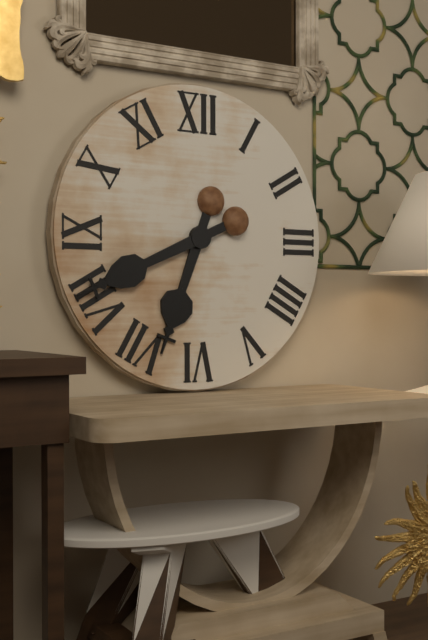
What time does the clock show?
6:41
